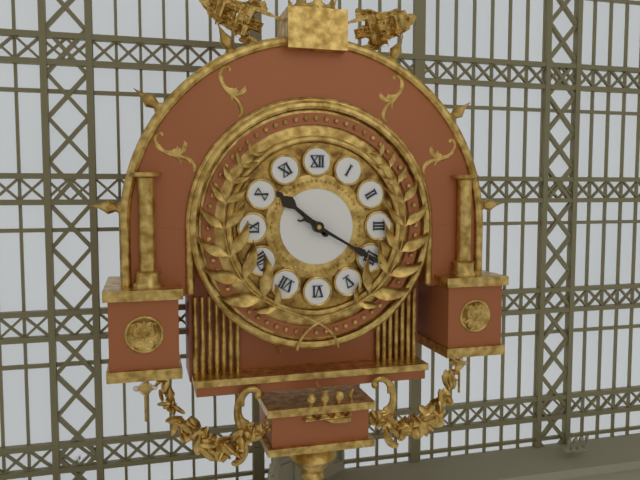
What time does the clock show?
10:20
